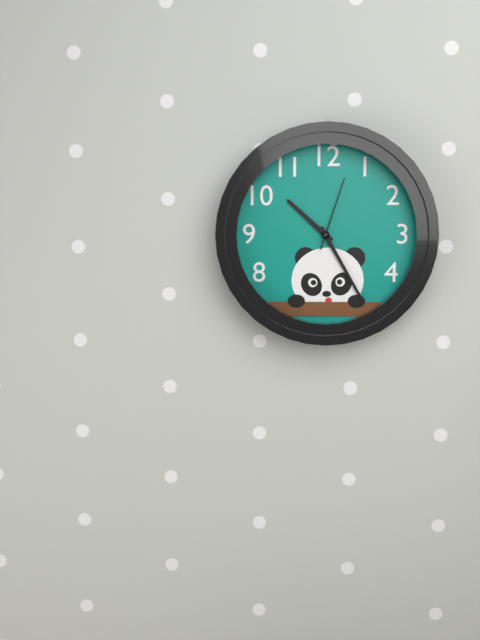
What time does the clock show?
10:25:03
